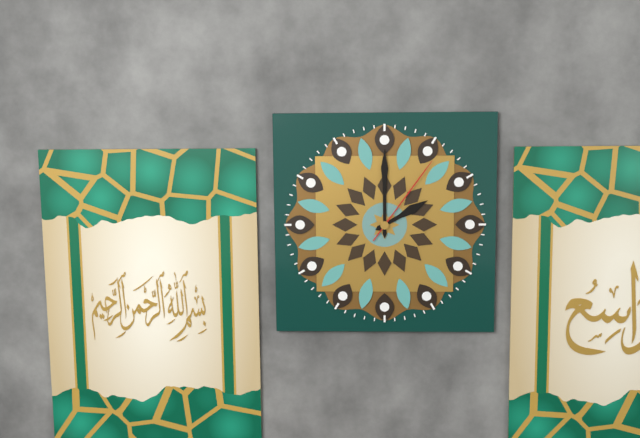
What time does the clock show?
2:00:06
